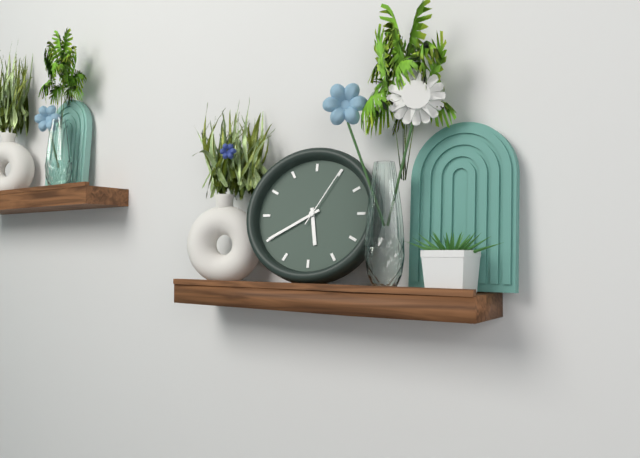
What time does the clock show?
5:40:05
